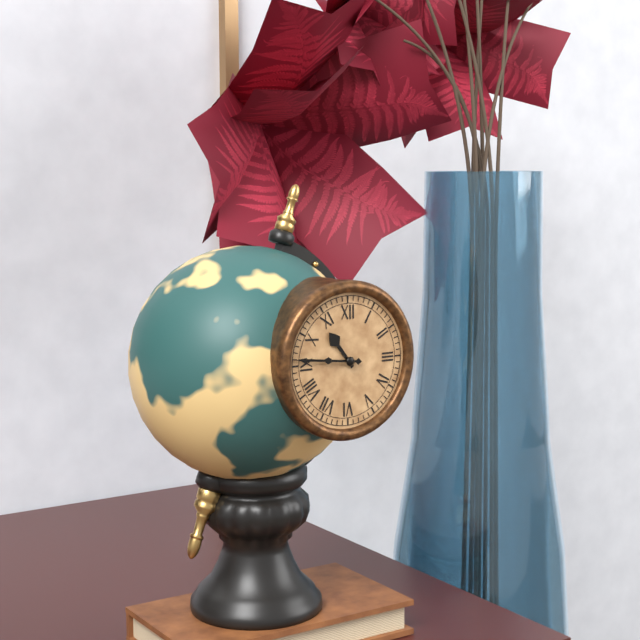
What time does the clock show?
10:46
